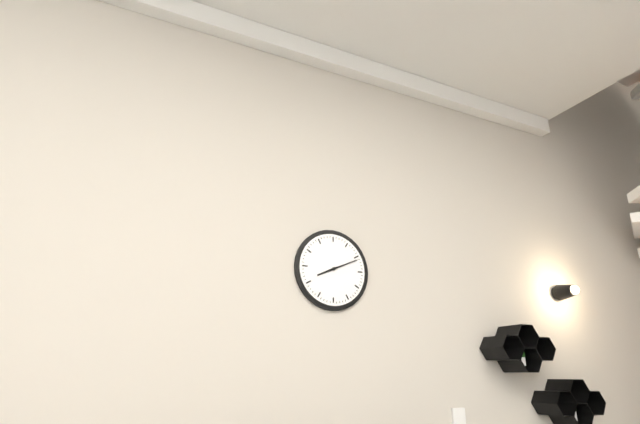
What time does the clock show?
8:11
